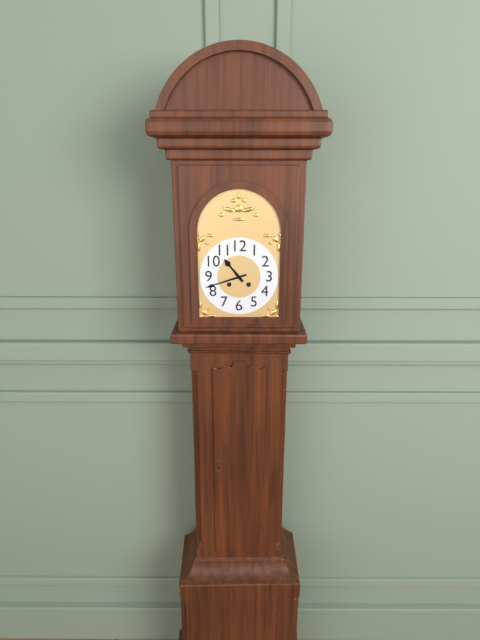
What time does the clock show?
10:42
